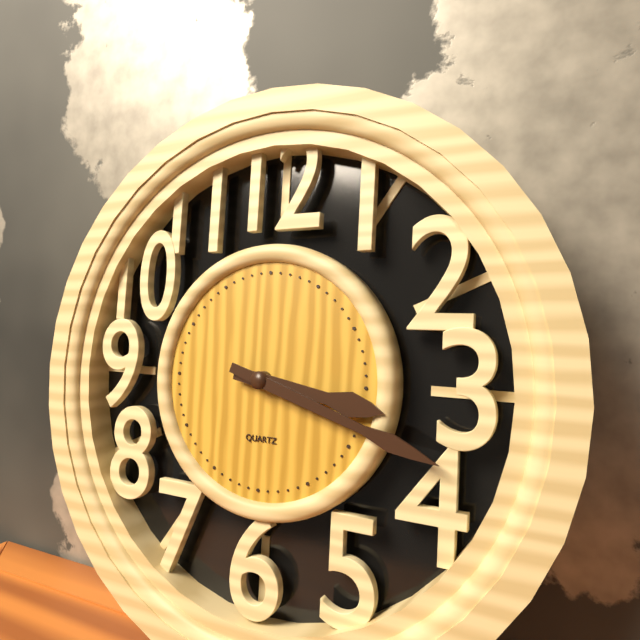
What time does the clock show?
3:18
